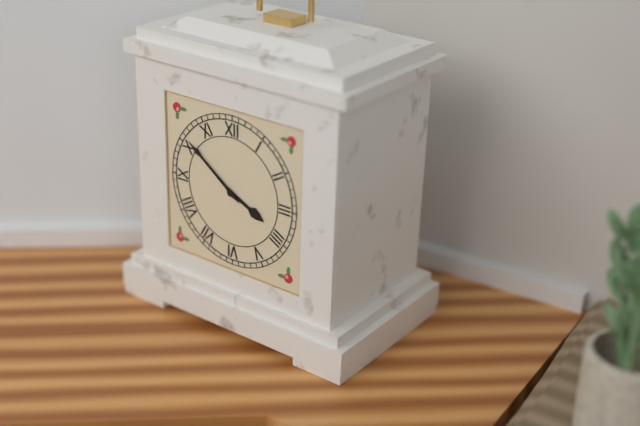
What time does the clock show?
3:51
